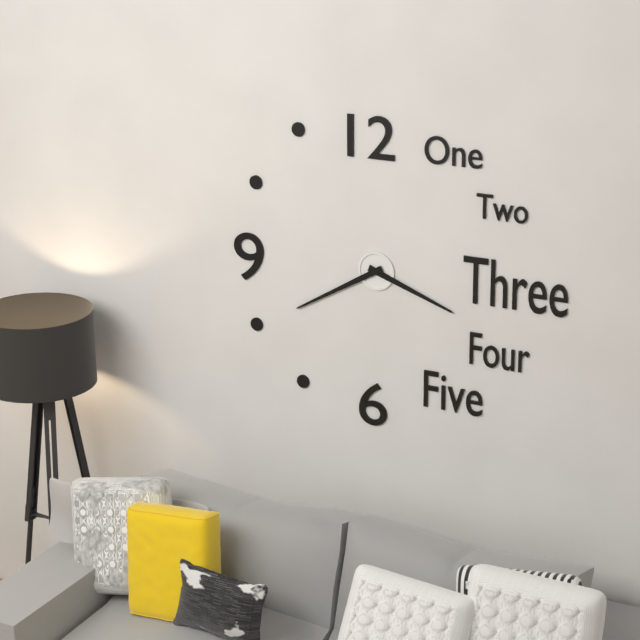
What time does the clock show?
3:40
